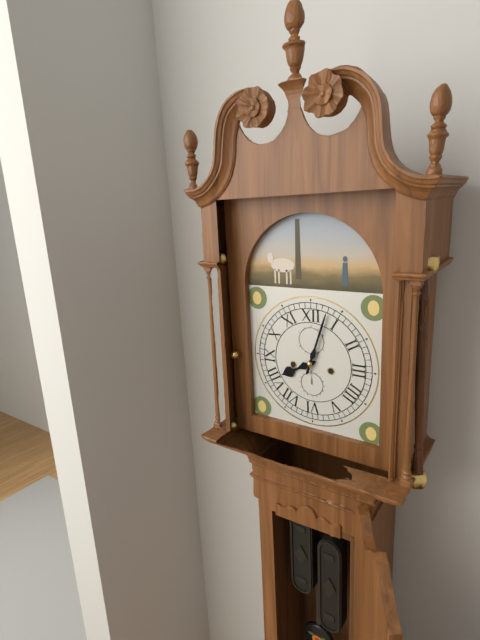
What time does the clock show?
8:03
